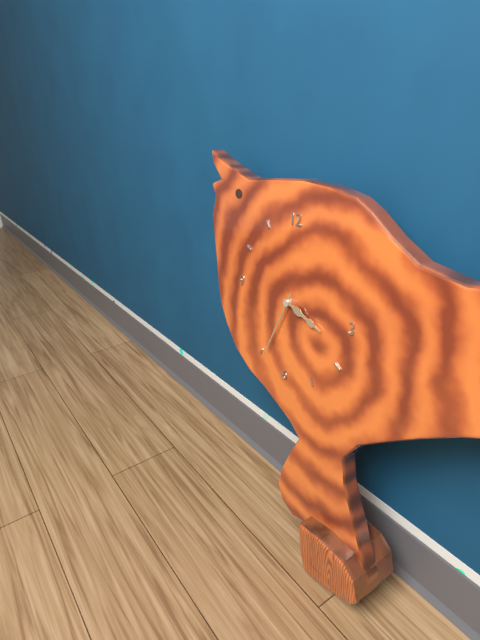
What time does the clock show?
3:34
